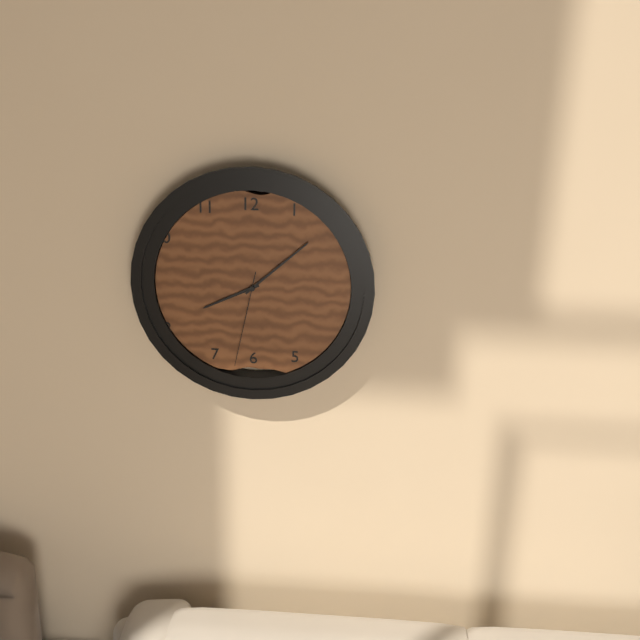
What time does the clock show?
8:08:32
